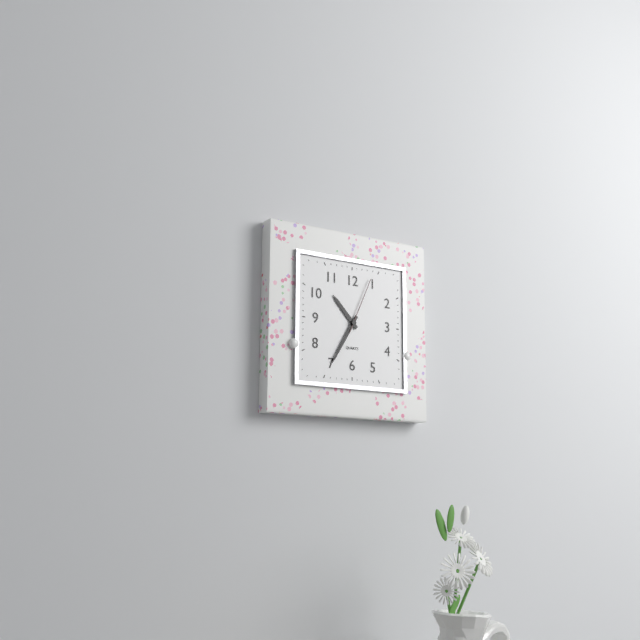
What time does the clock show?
10:35:04
